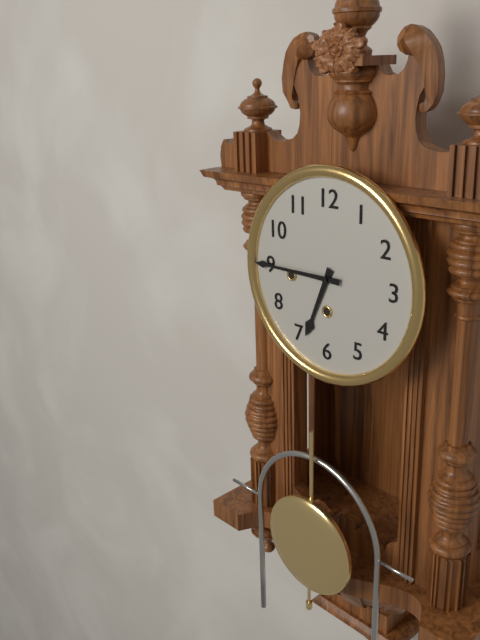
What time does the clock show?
6:45
